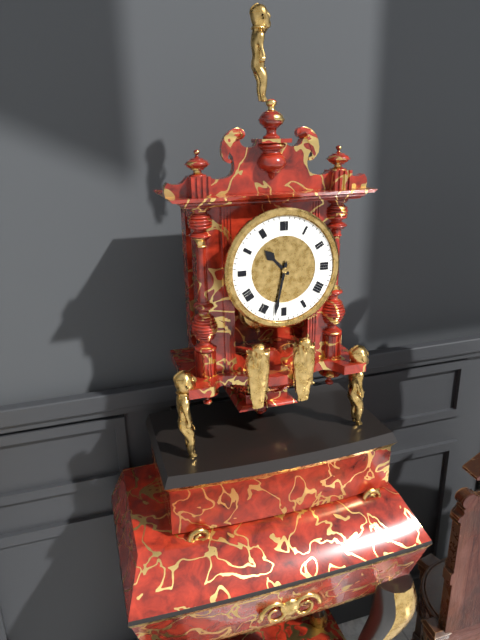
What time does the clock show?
10:32
